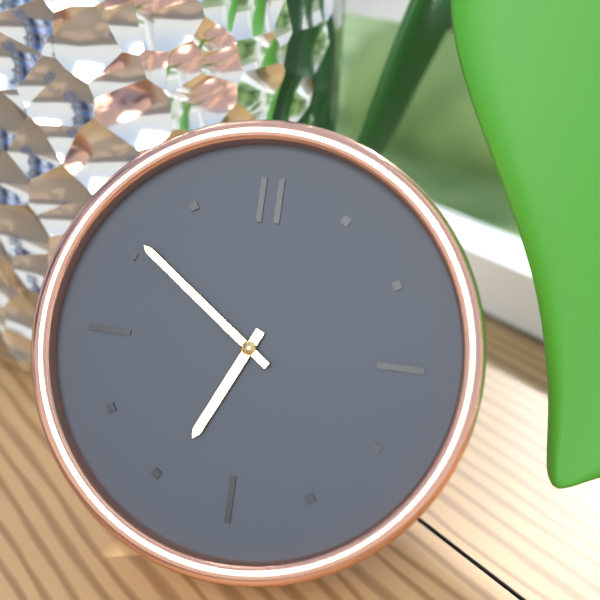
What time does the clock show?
6:51
